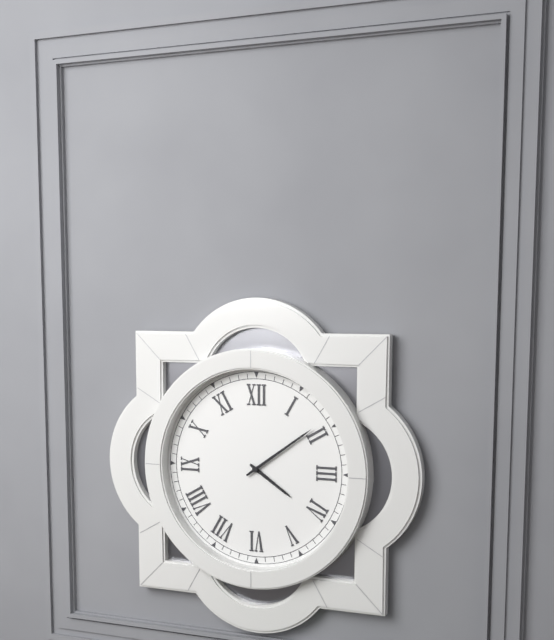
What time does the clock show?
4:09
